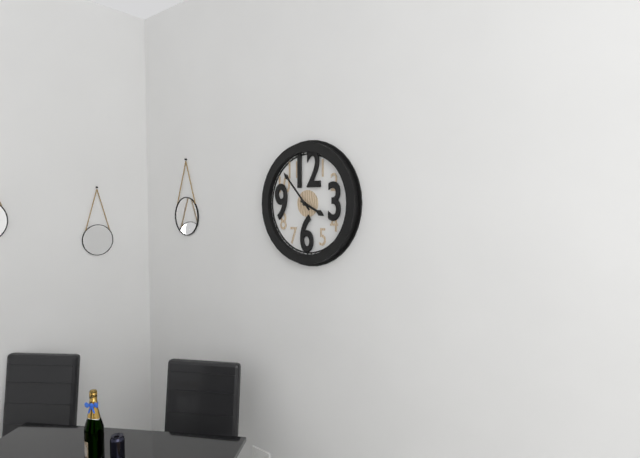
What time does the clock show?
3:53
